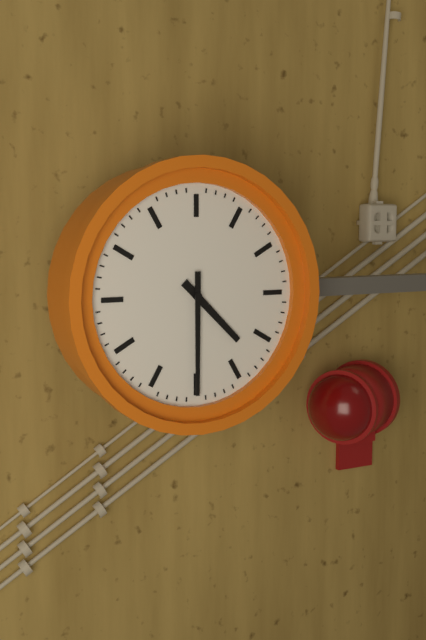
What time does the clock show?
4:30
